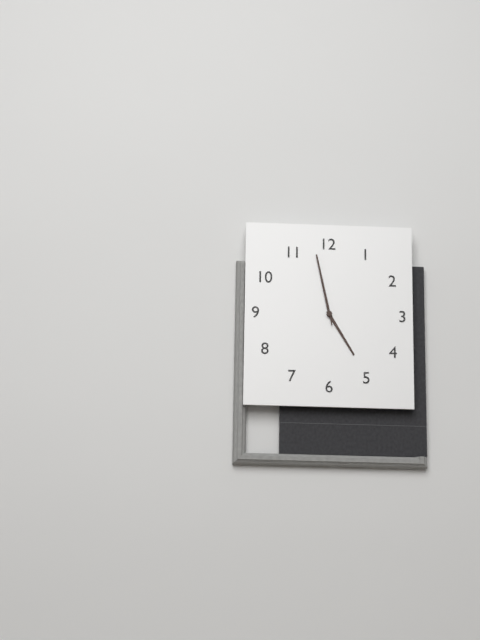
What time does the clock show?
4:58:58
